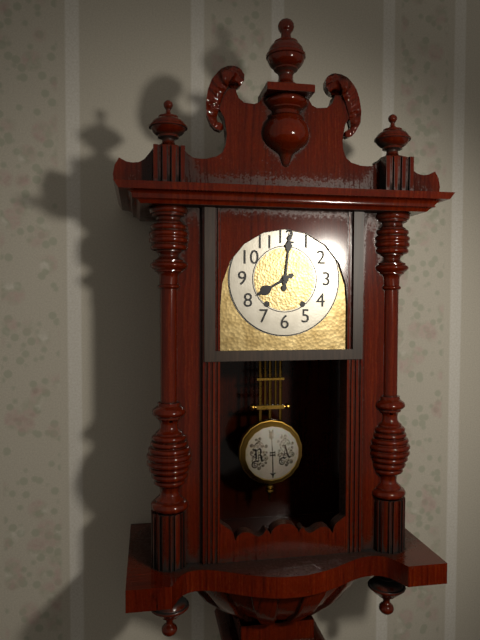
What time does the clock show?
8:01
